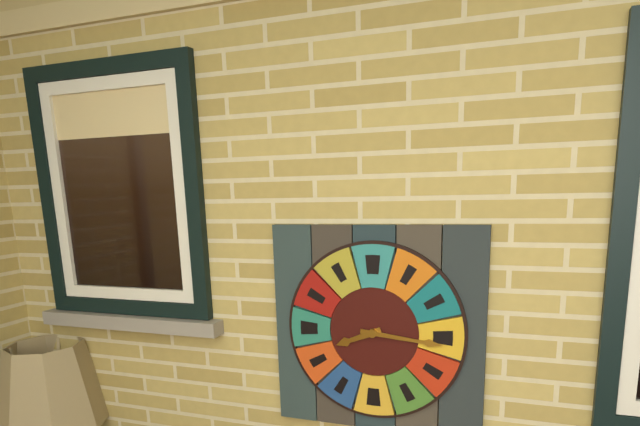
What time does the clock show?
8:16
